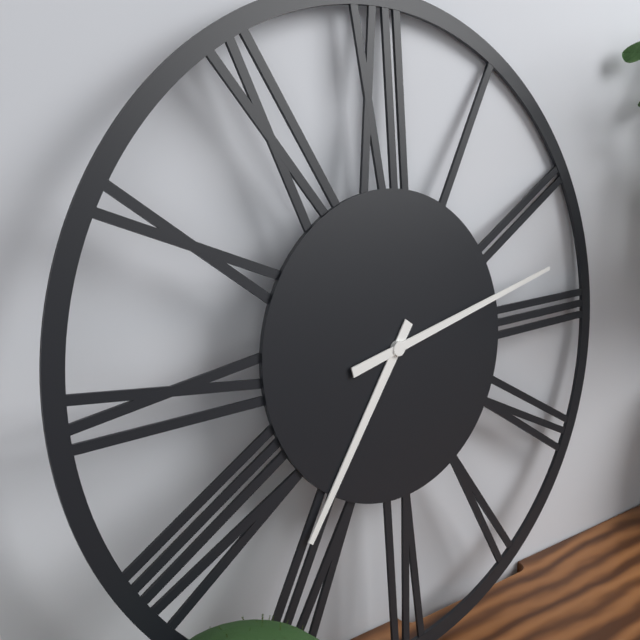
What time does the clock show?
7:13
